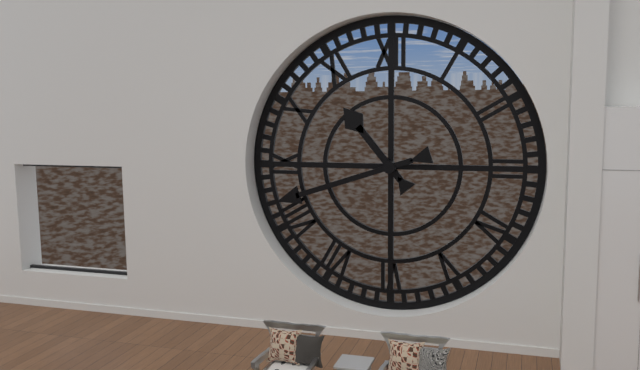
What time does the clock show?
10:42
